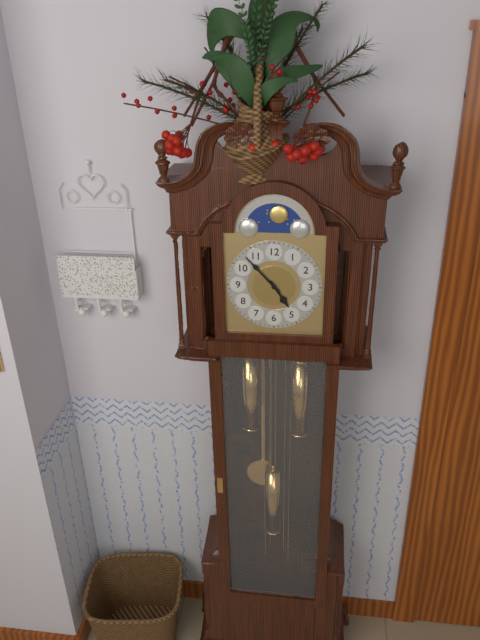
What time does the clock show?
4:53
